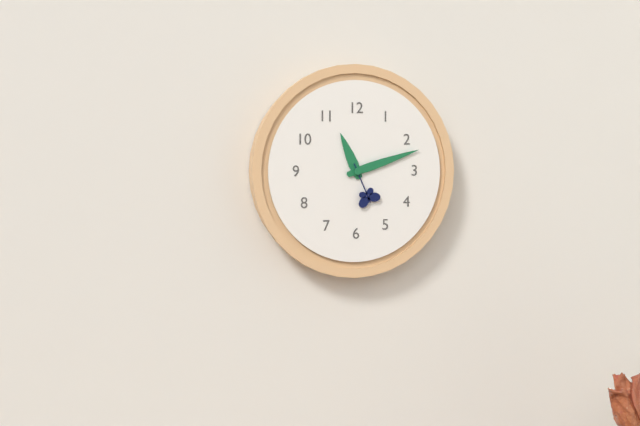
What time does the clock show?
11:12
